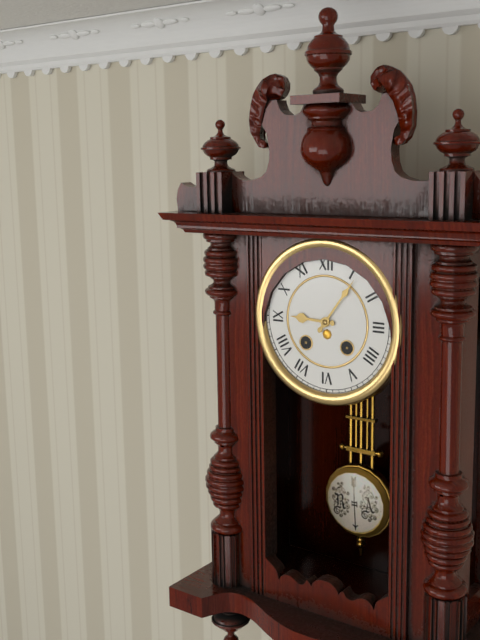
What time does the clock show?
9:06
